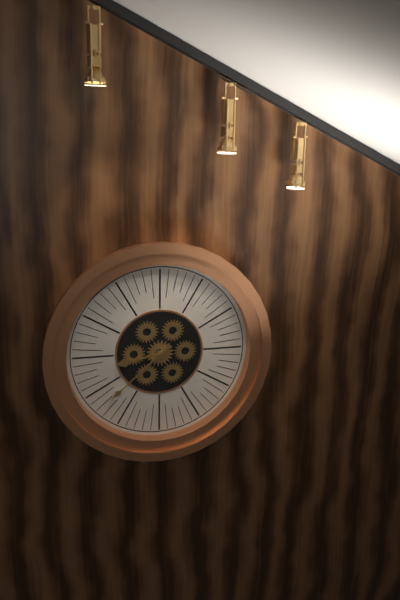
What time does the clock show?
8:38
